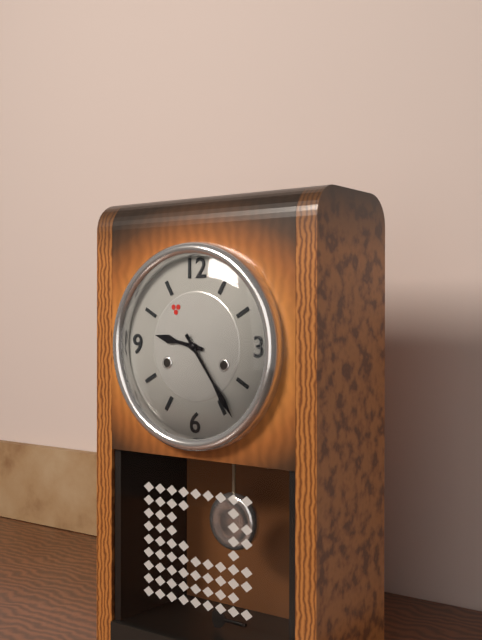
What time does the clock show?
9:24
